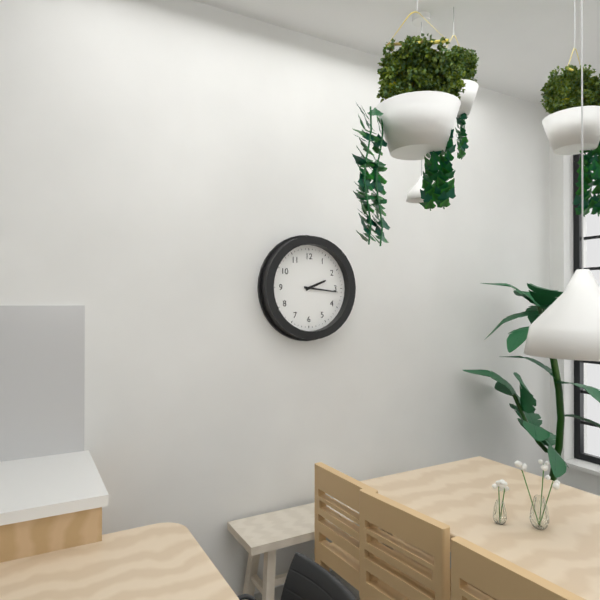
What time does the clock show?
2:16
